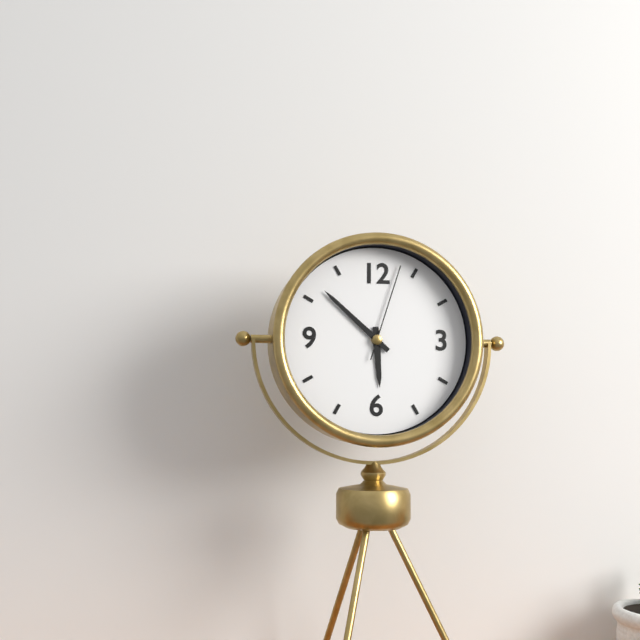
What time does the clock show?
5:52:03
